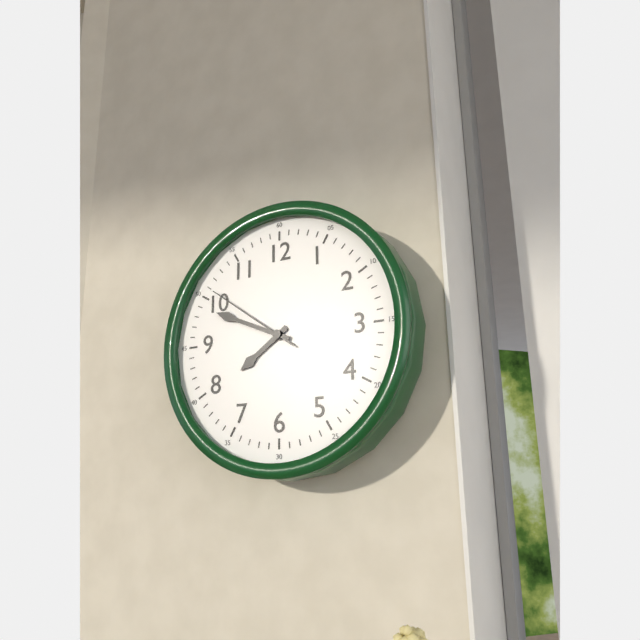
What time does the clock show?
7:49:51
